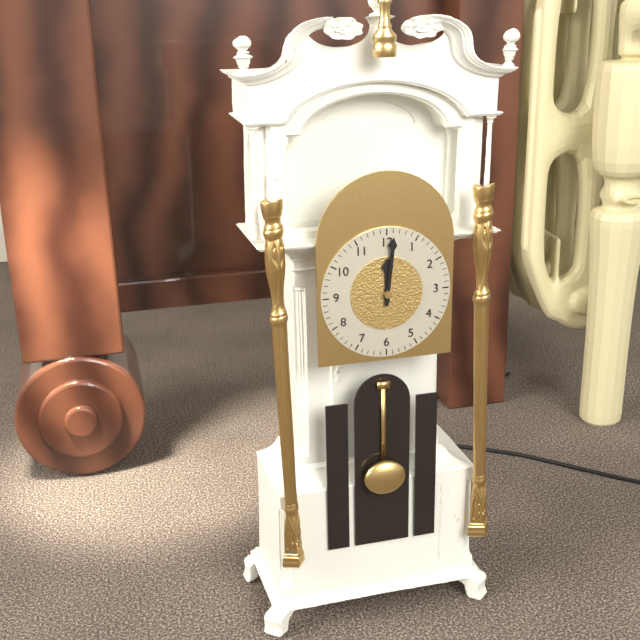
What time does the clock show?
12:01
